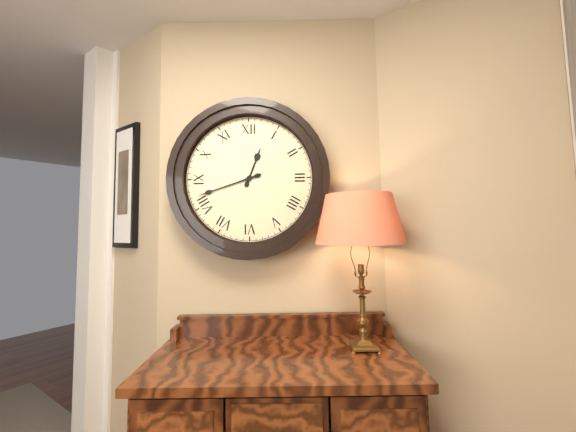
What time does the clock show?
12:42
